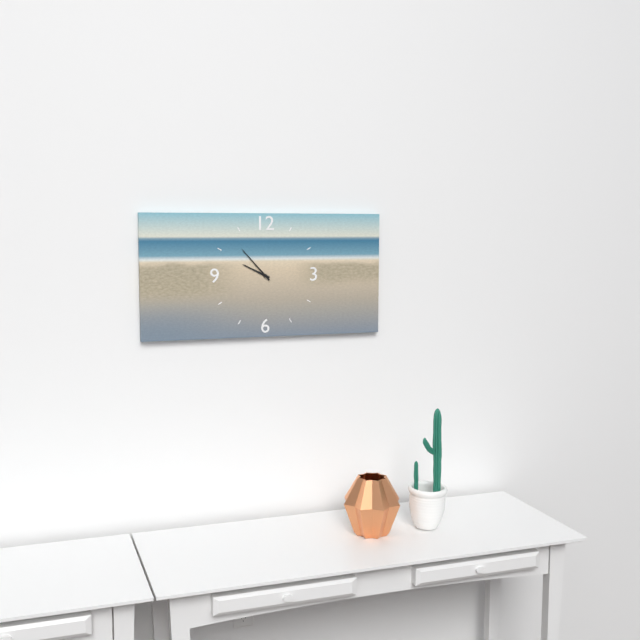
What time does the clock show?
9:53
